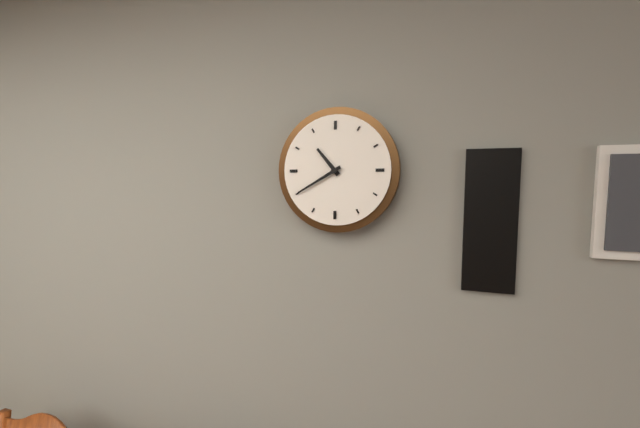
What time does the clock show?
10:40
